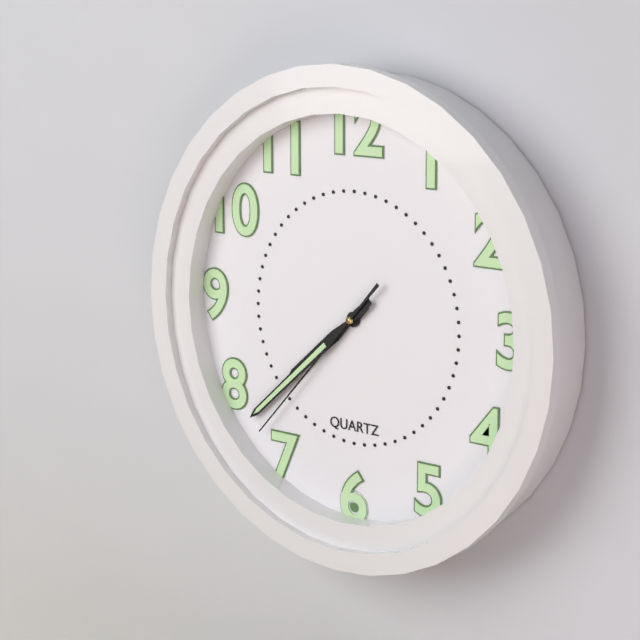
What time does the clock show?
7:38:37
